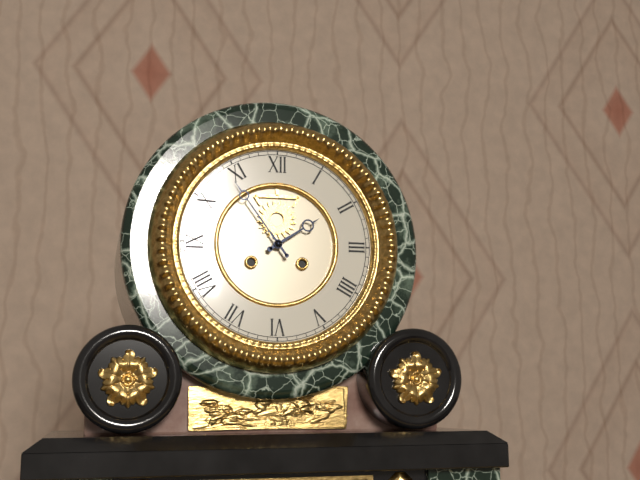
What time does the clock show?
1:54
